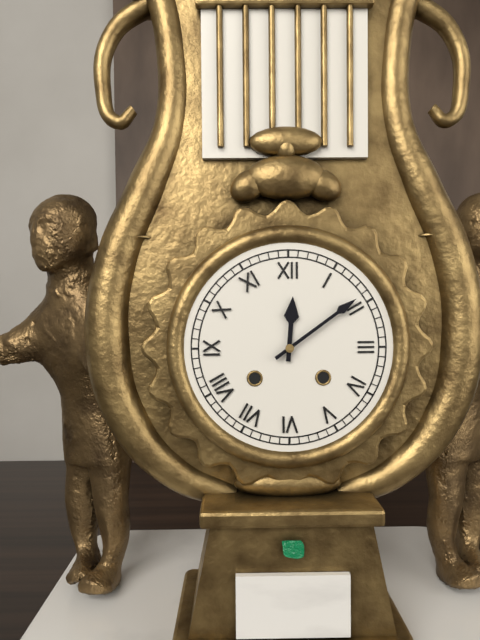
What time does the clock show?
12:09
